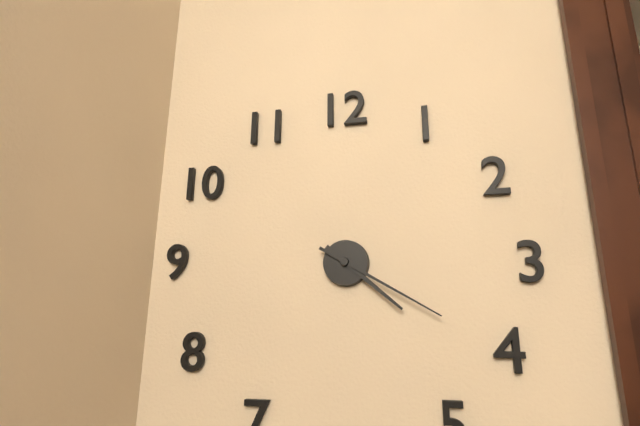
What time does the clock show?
4:20
